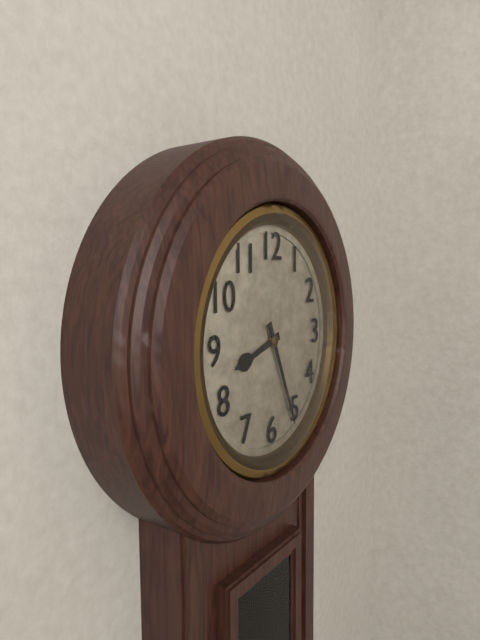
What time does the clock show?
8:26
